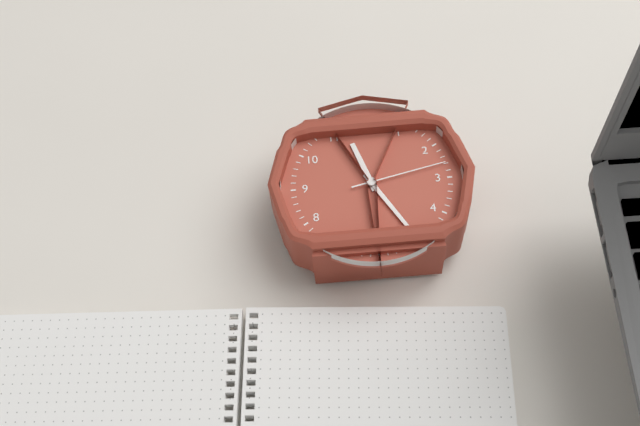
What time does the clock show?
11:25:13
